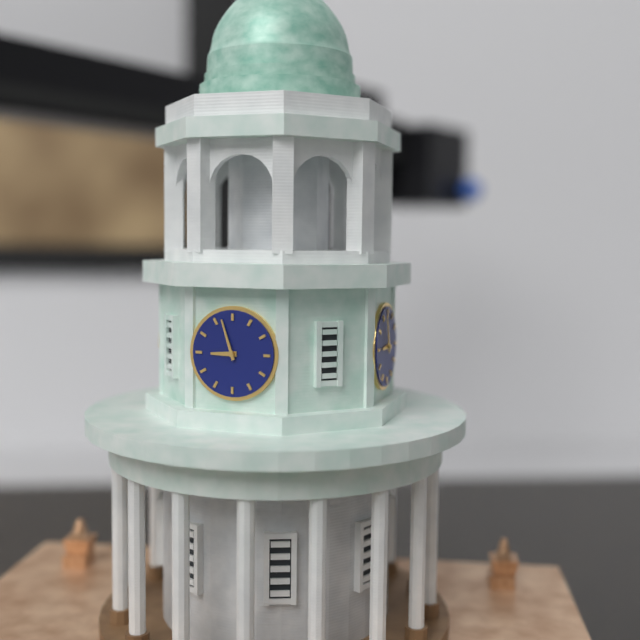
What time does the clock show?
8:57
